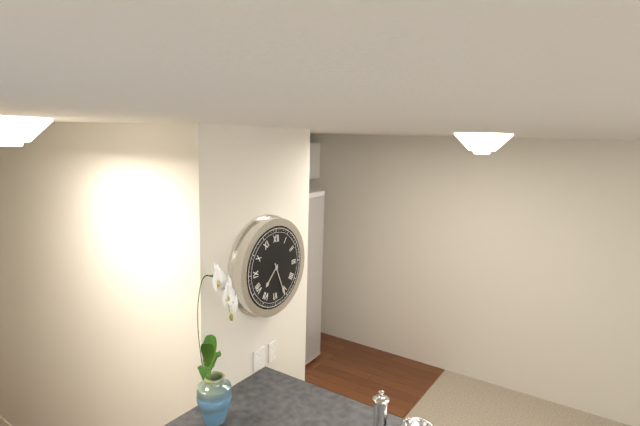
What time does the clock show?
7:26
